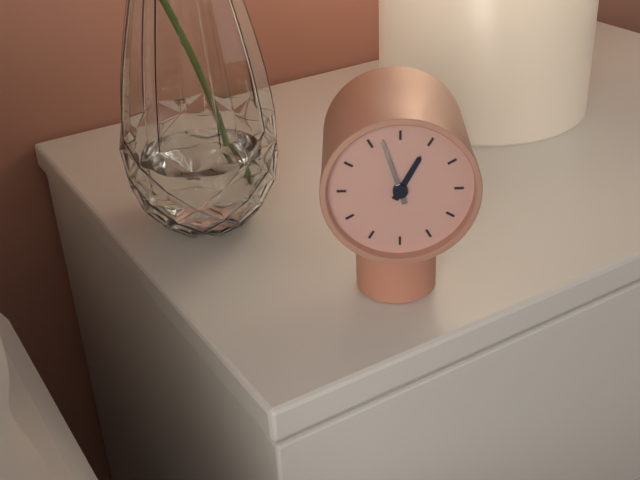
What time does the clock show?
12:57
